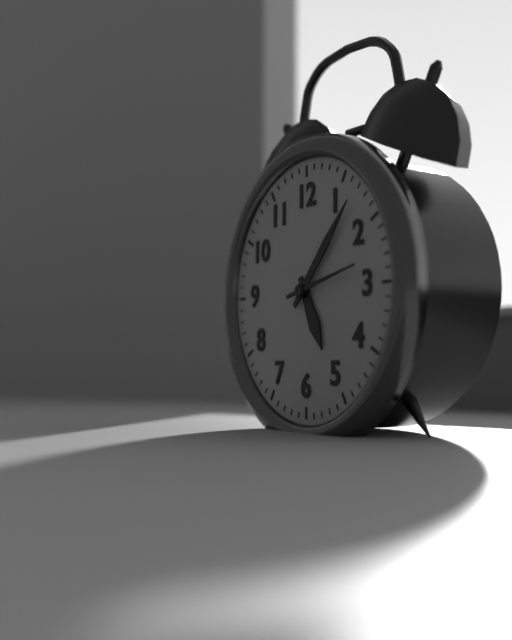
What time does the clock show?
5:07:13
